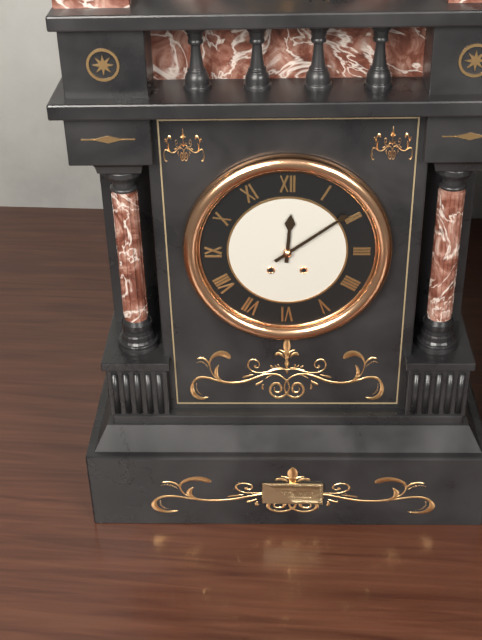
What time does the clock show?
12:09
